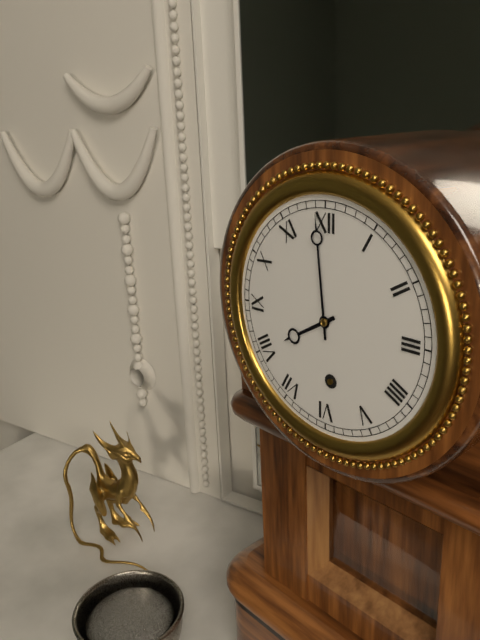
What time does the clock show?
7:59
